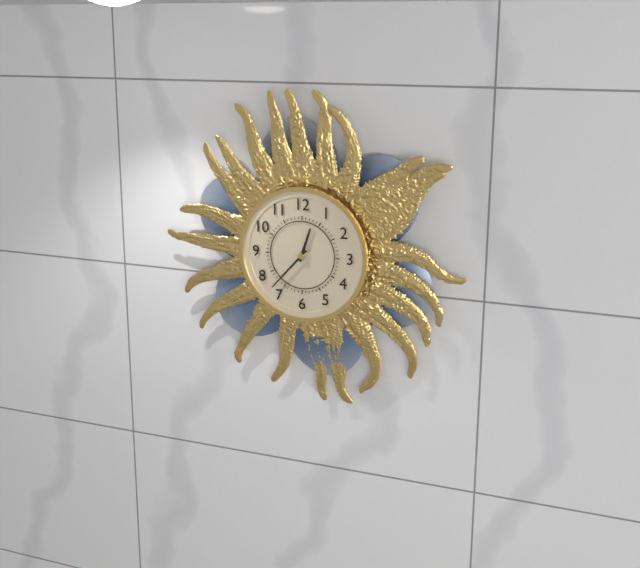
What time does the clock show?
12:37
